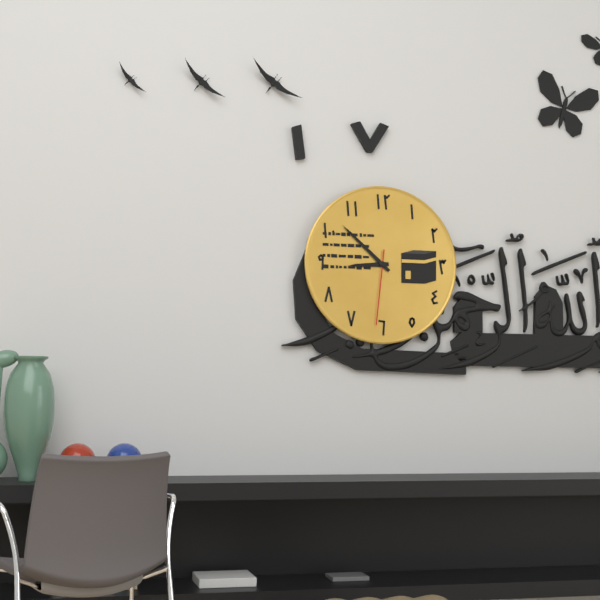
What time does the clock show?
8:52:31
